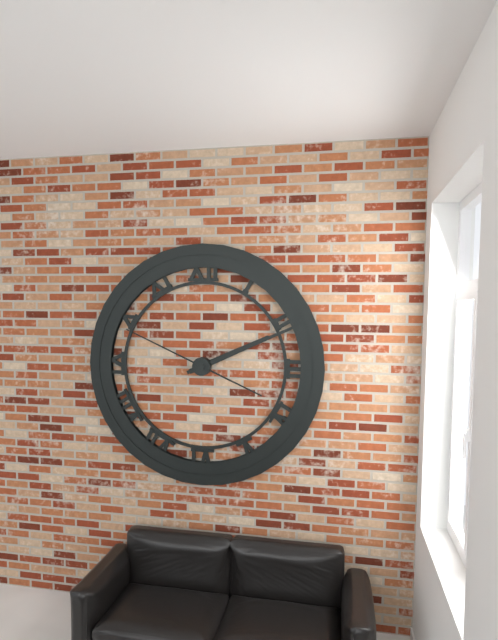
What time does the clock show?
2:11:49
